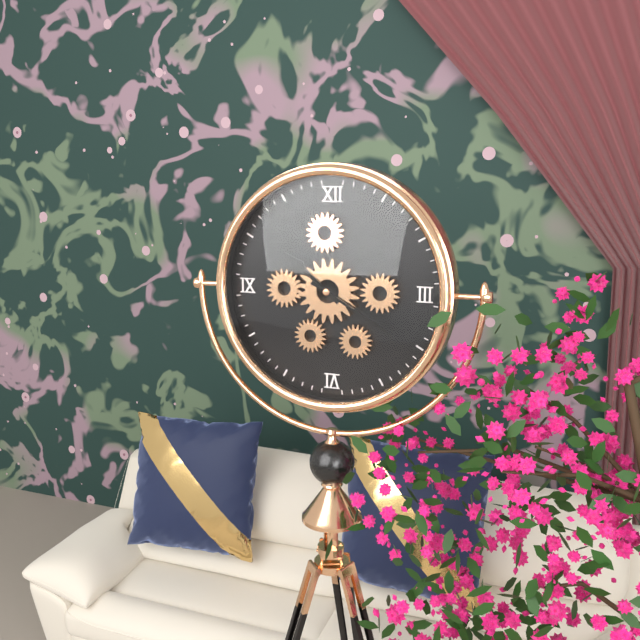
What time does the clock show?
10:20
